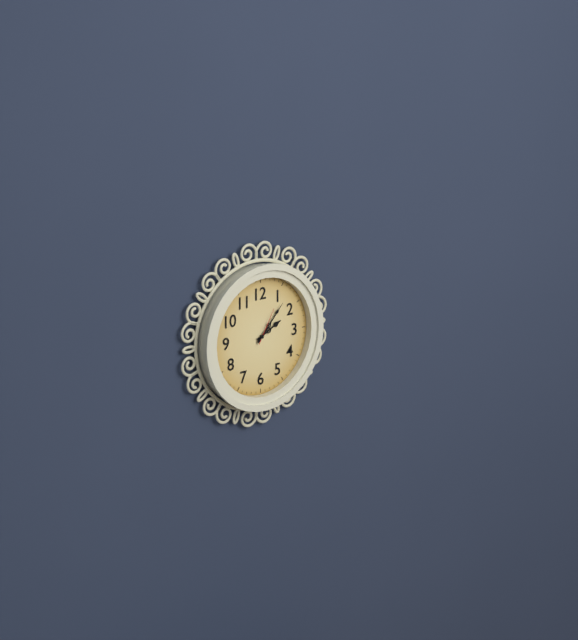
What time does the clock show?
2:07
